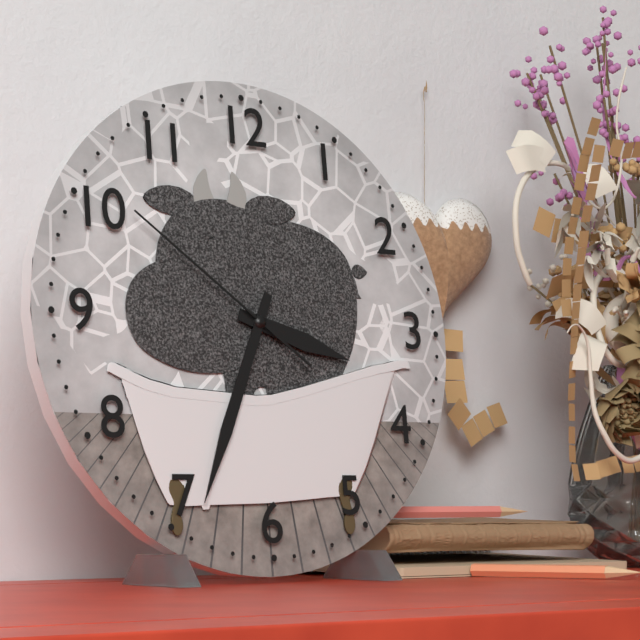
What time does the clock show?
3:34:51
